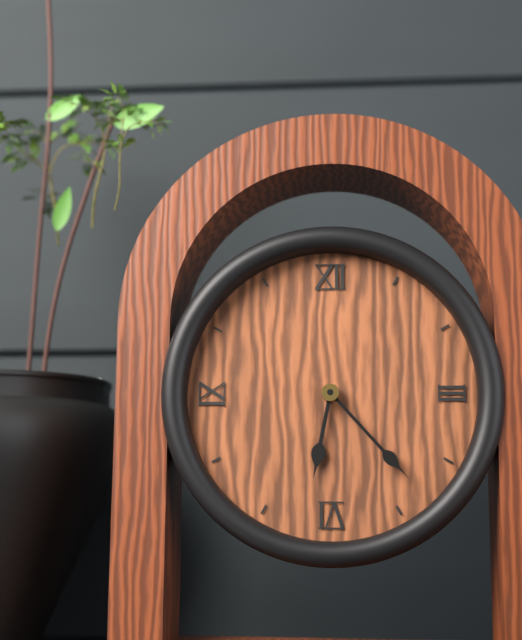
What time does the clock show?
6:23
